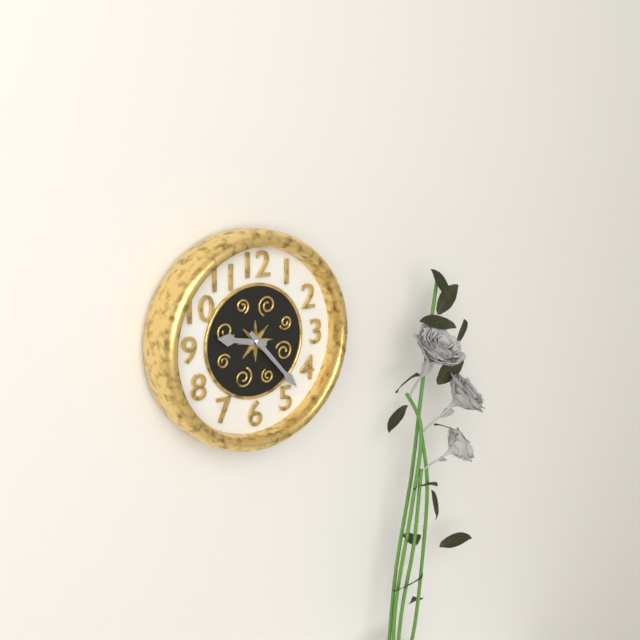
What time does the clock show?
9:23
